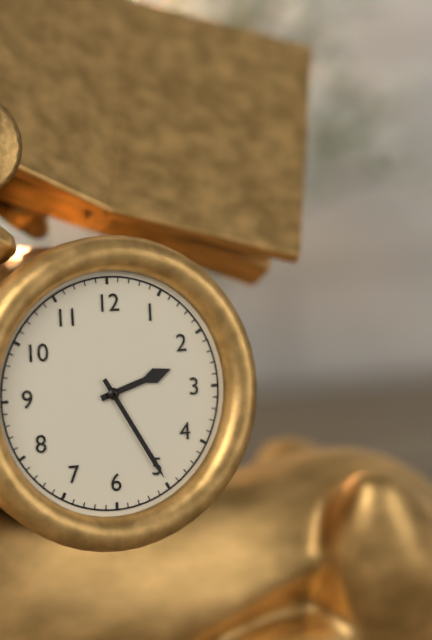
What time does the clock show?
2:25
